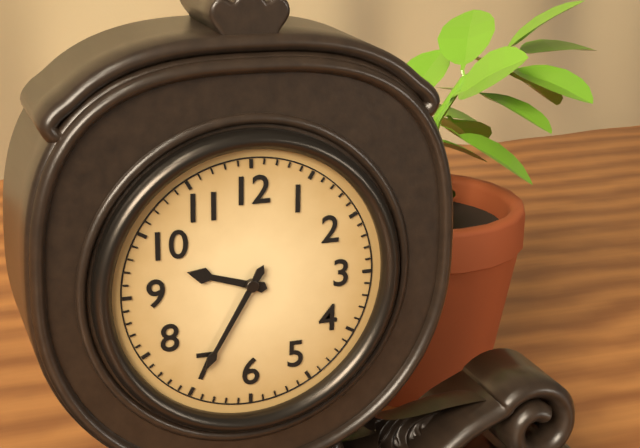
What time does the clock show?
9:35
